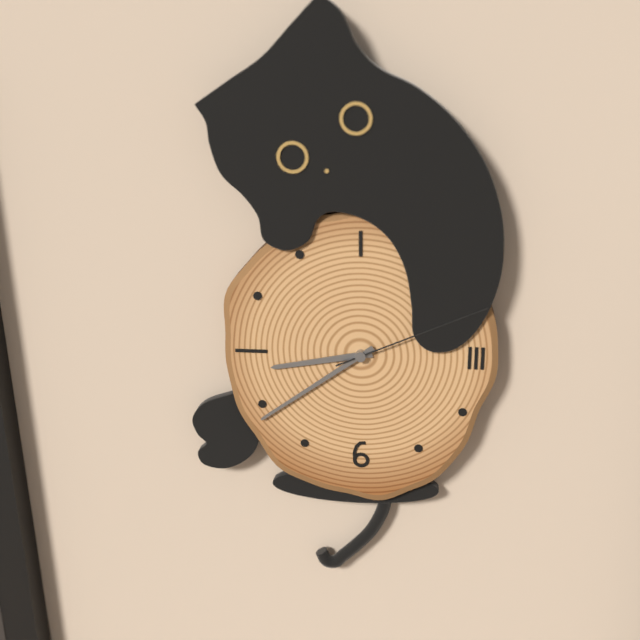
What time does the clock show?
8:39:11
